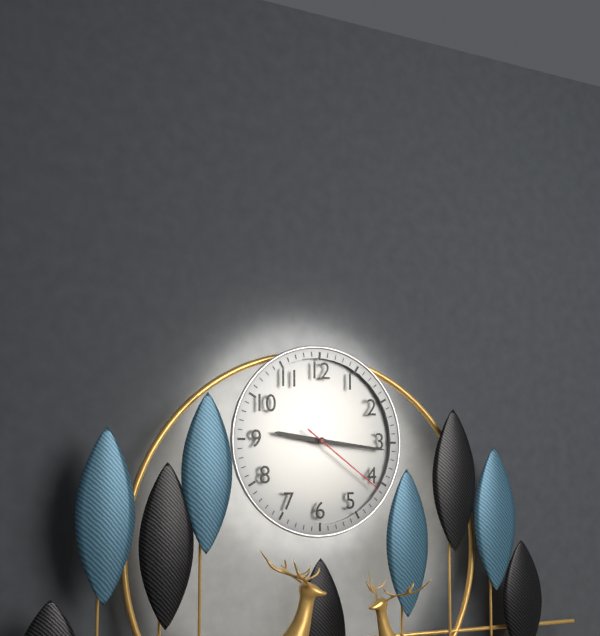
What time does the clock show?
9:16:21
